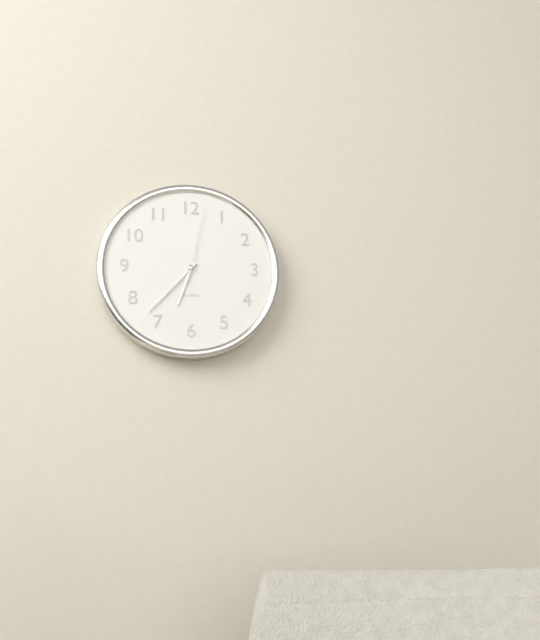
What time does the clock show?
6:37:02
